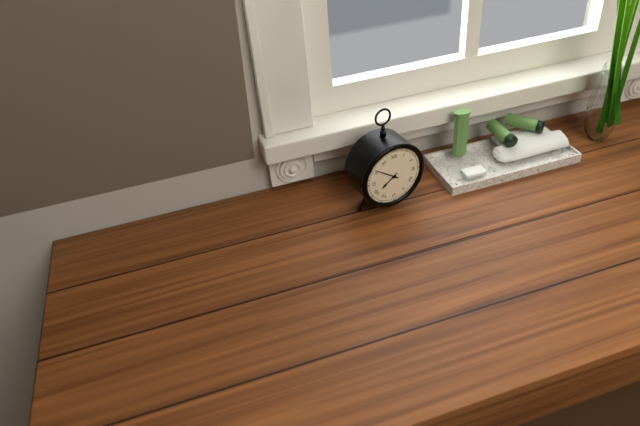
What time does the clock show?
7:51
